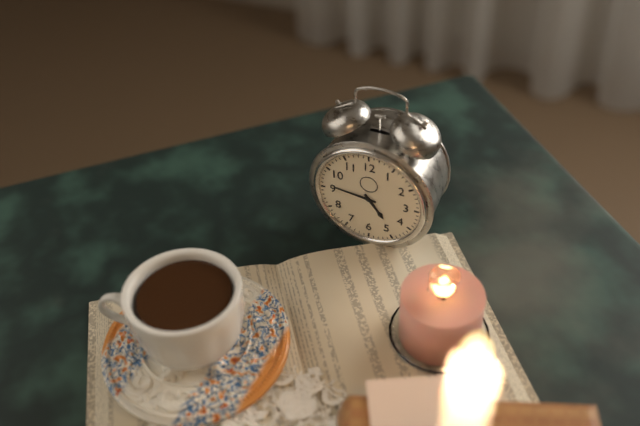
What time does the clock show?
4:46
